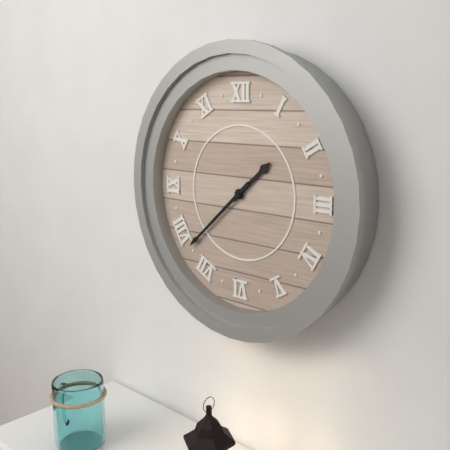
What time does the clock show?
1:38
